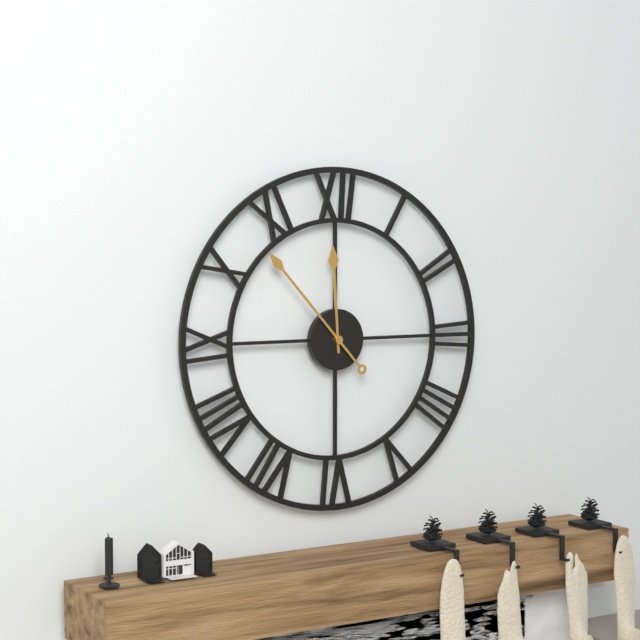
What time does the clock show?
11:53
